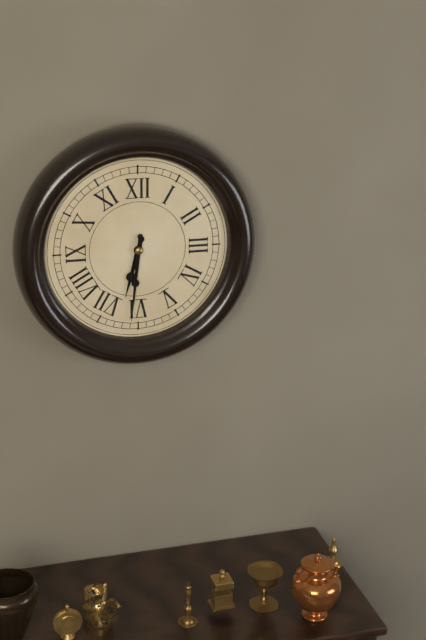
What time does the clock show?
6:31
